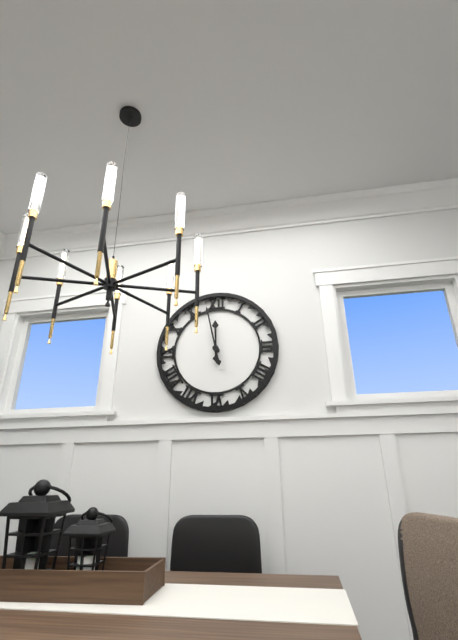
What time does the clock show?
11:58
